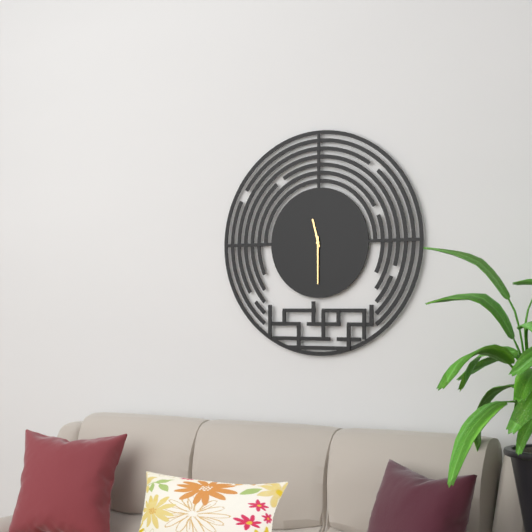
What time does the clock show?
11:30
